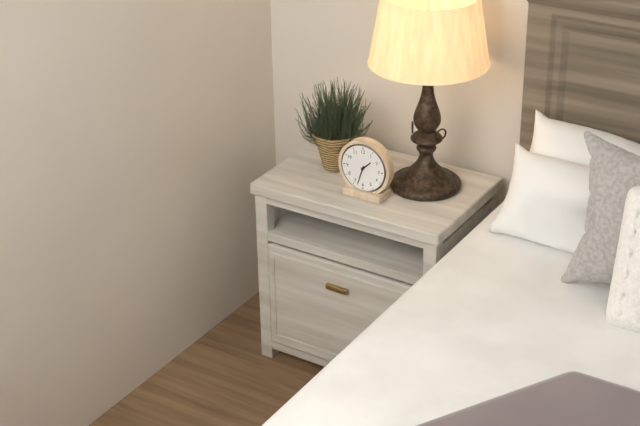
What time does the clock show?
1:33
